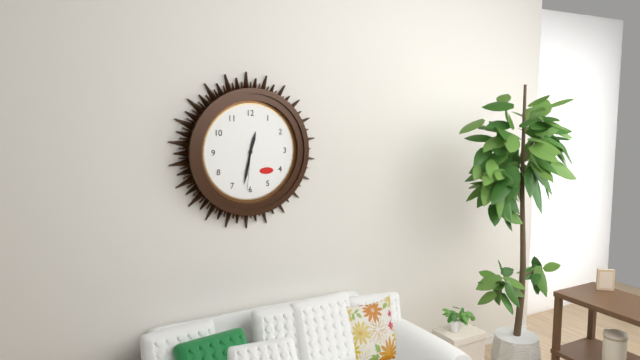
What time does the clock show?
12:32
